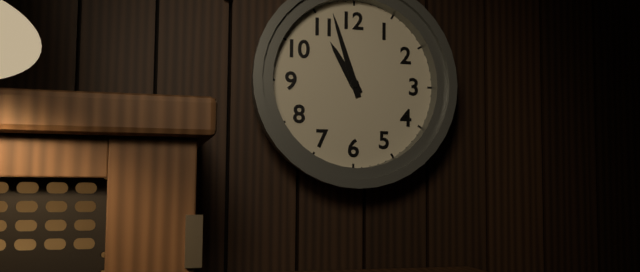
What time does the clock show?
10:57
